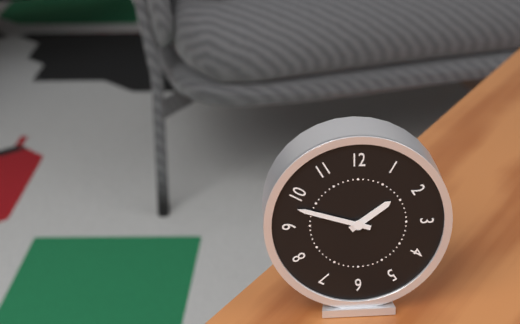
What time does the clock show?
1:48
